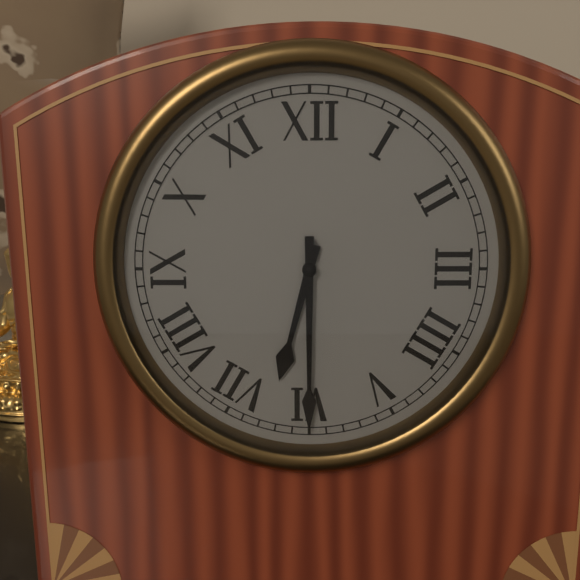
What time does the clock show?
6:30
